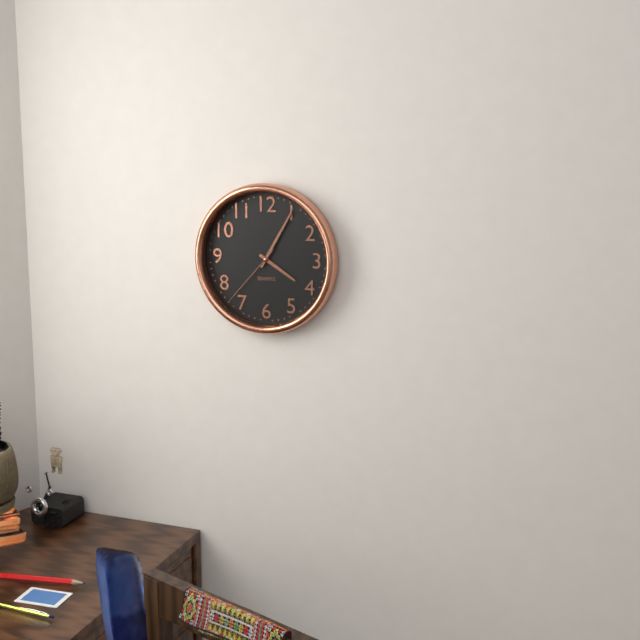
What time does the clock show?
4:05:37
